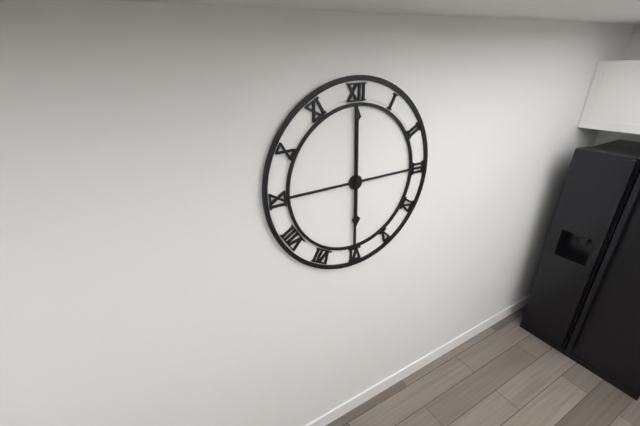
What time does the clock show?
6:00
